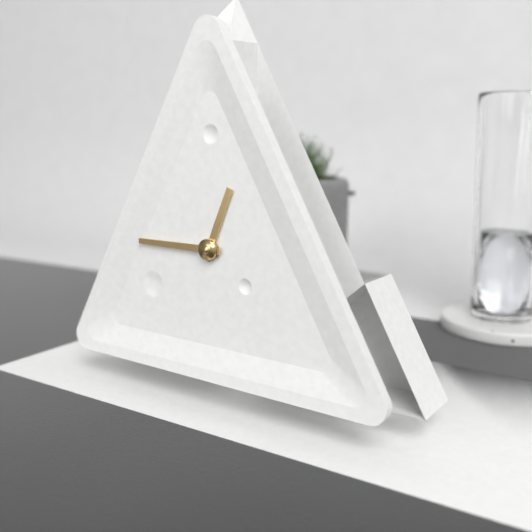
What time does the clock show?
12:45
